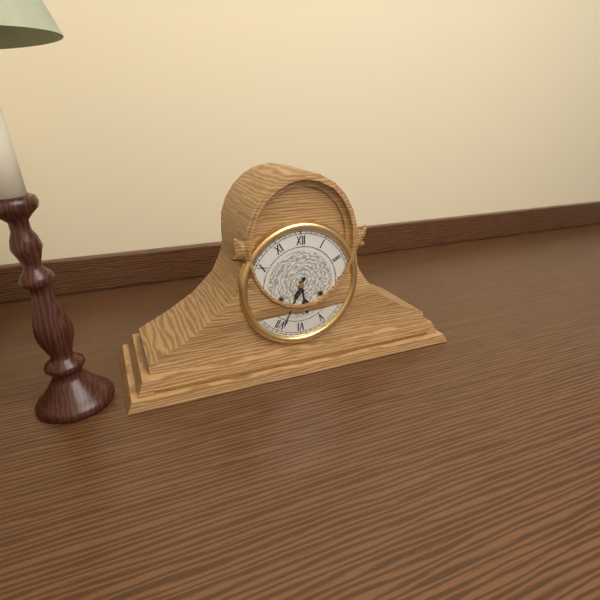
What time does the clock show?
5:34
